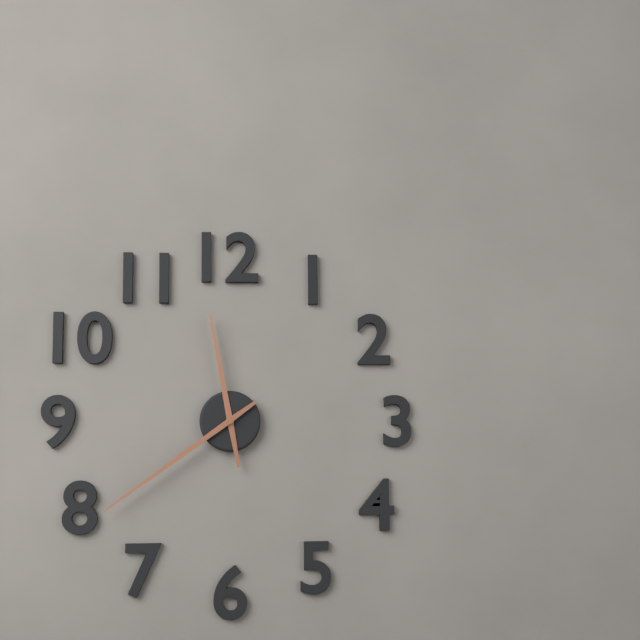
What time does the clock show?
11:39
